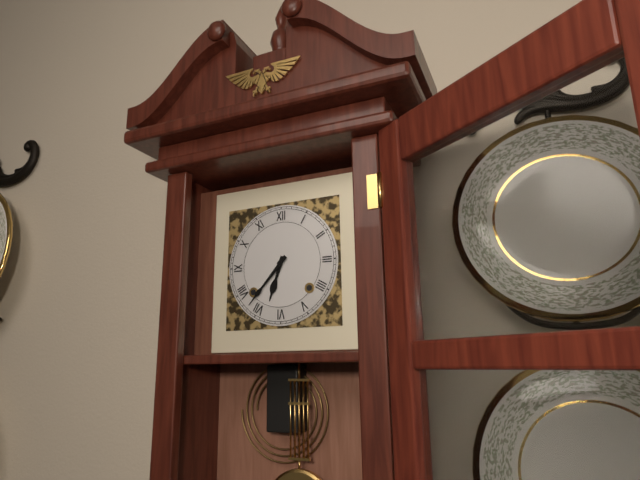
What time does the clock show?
6:37
